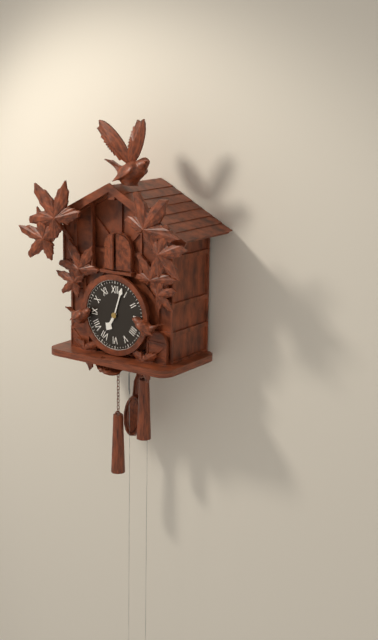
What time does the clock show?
7:03
